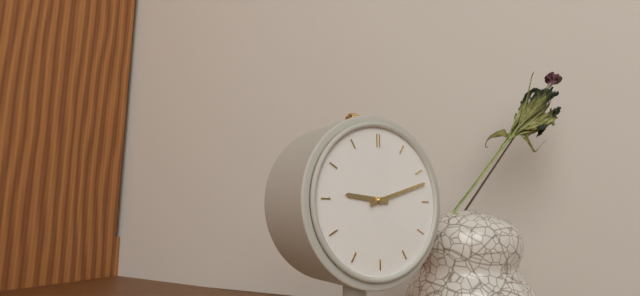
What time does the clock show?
9:12
